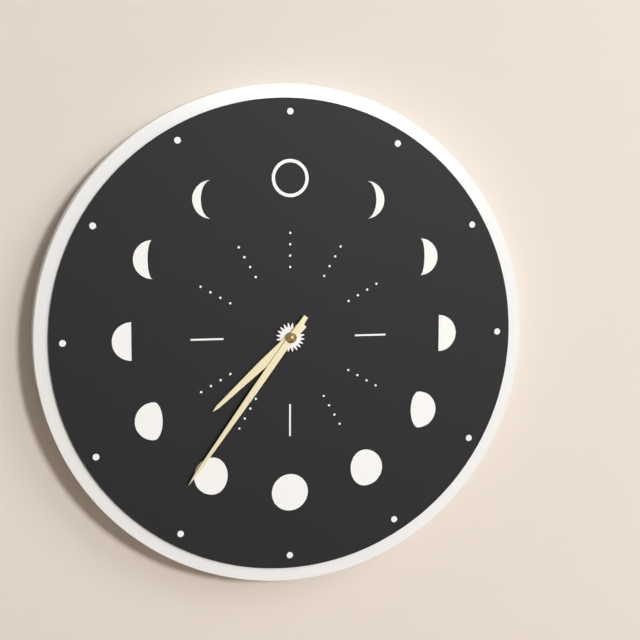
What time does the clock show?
7:36
